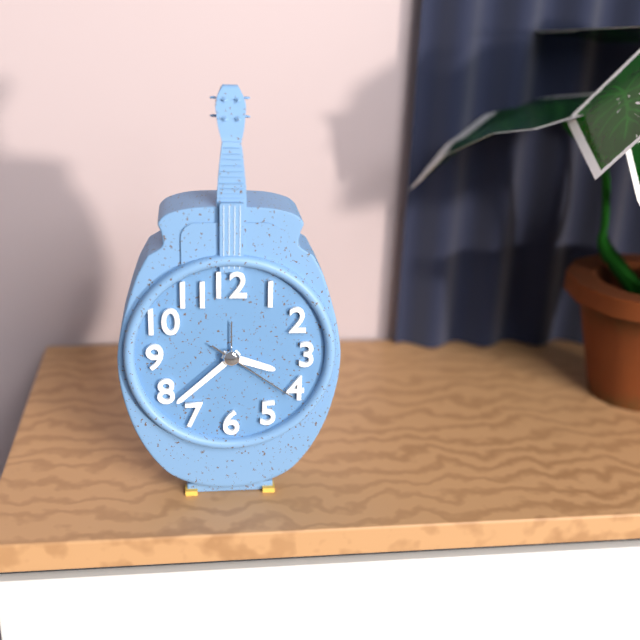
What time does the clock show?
3:38:21
